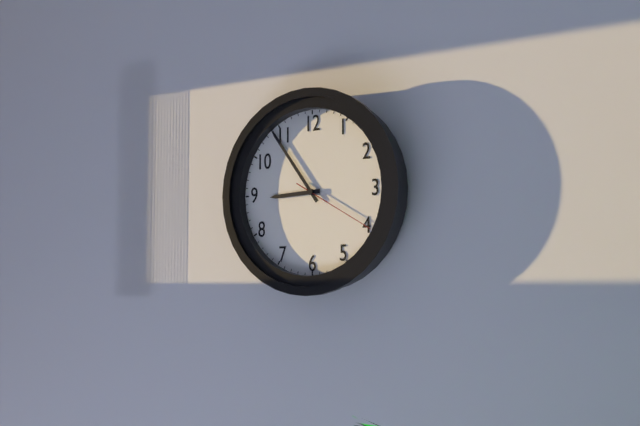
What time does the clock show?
8:54:20
